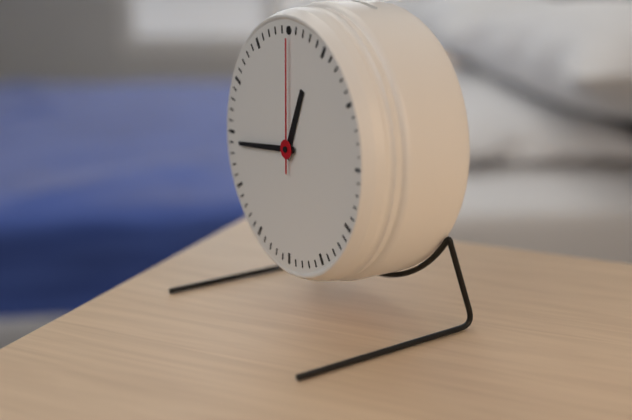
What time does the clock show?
12:44:00
